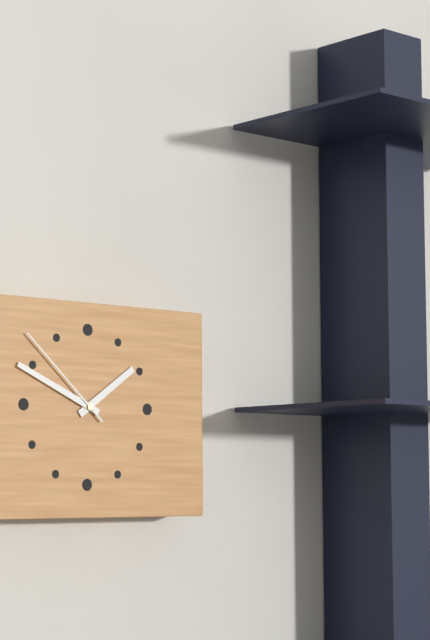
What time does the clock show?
1:49:52
